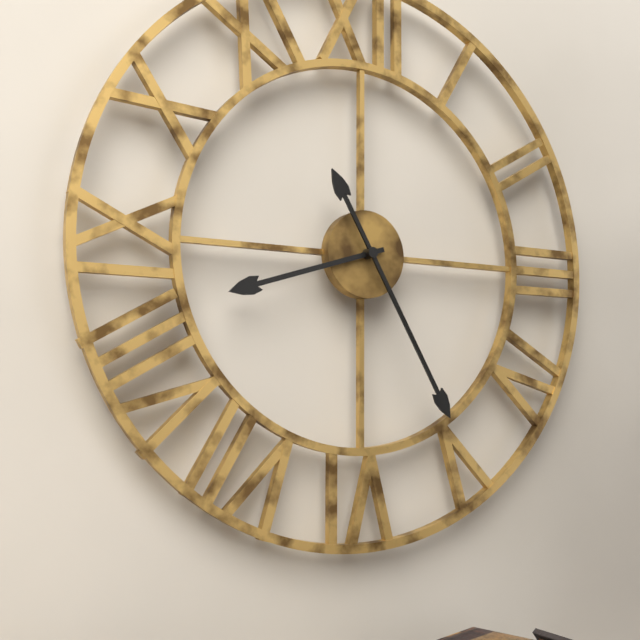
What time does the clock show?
8:25
